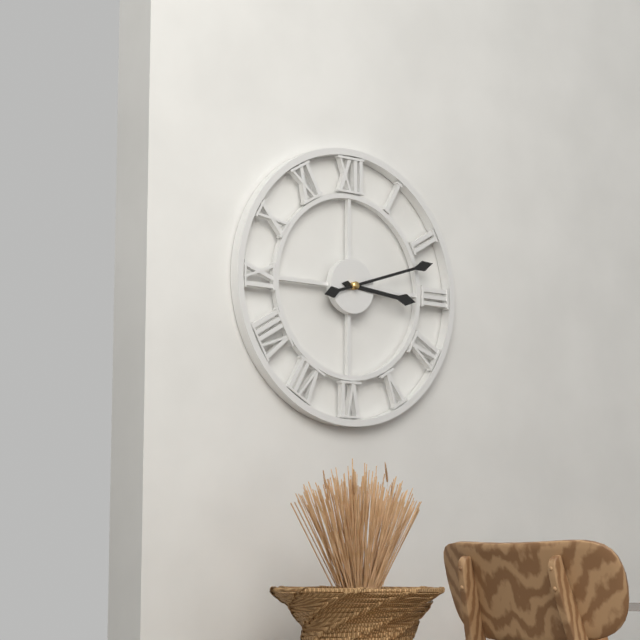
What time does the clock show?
3:12
